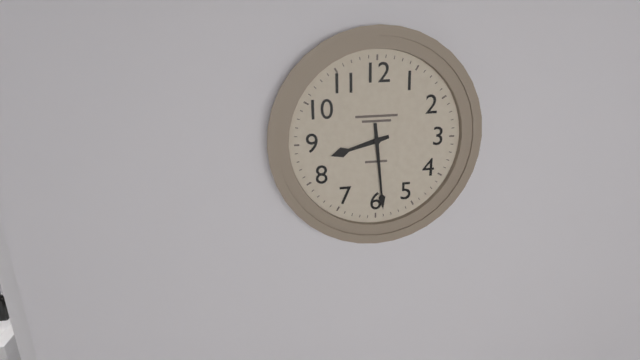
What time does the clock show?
8:29
